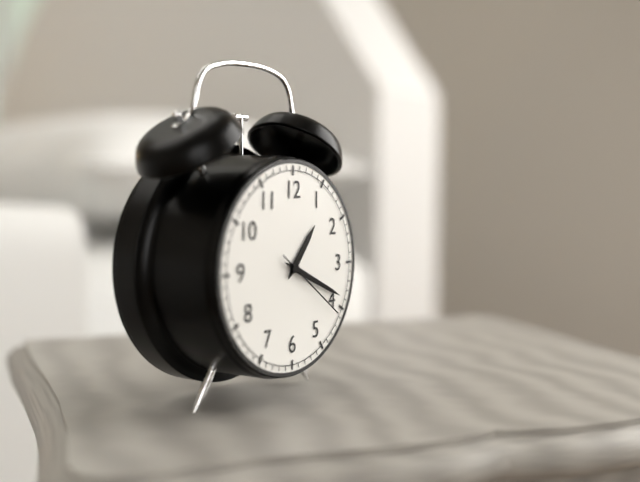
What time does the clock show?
1:19:21
